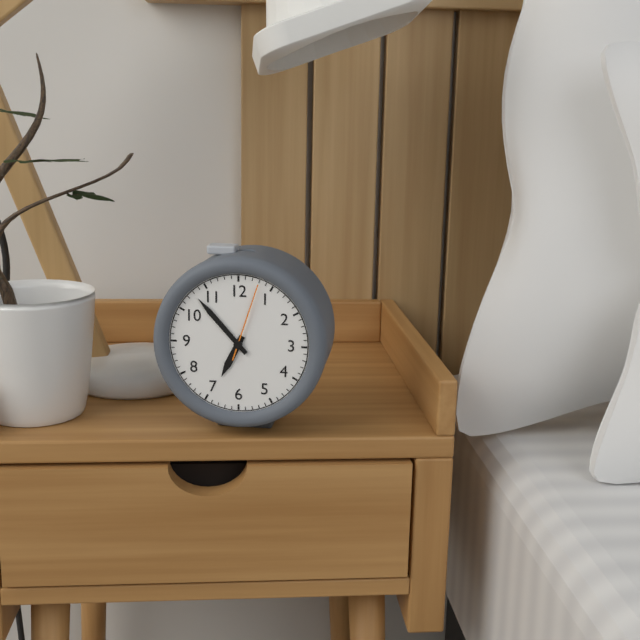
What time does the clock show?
6:53:03
